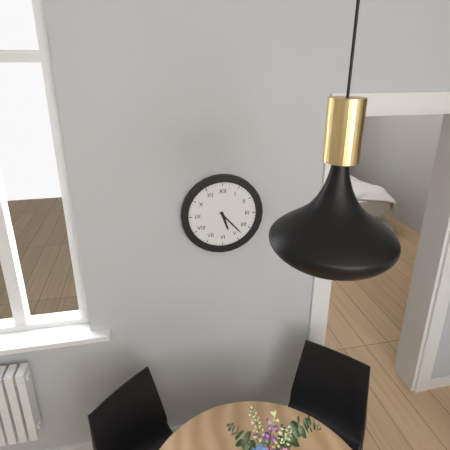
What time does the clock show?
5:23
